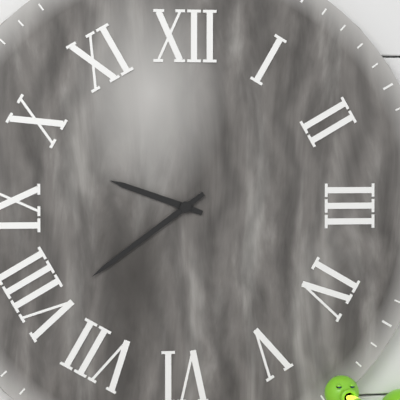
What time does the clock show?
9:39
